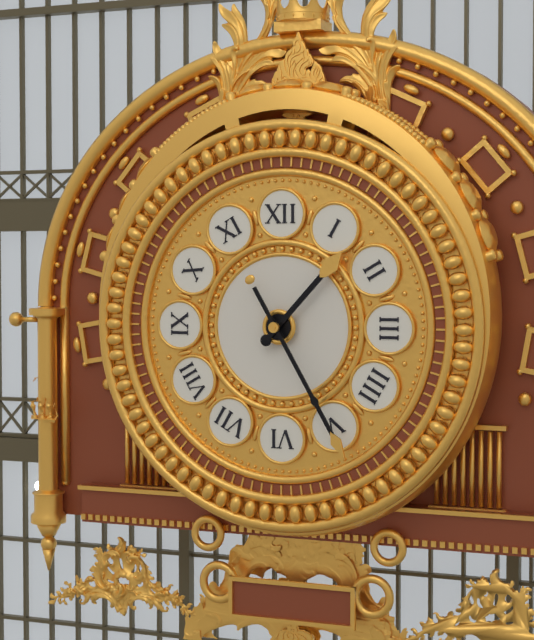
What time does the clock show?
1:25
